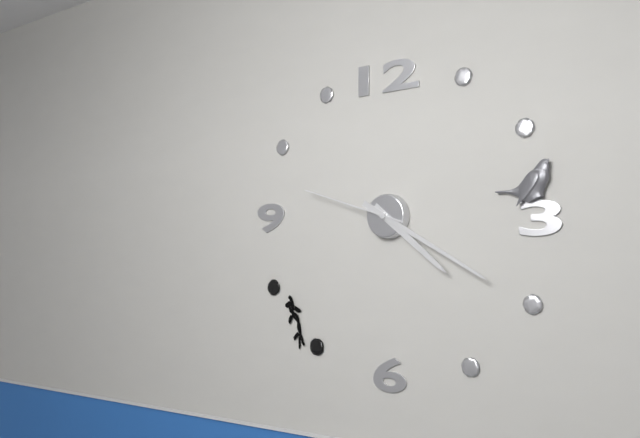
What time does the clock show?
4:20:48
